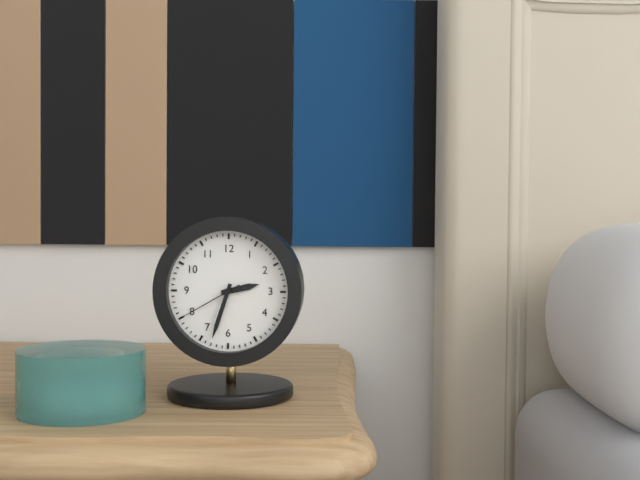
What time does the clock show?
2:33:40
